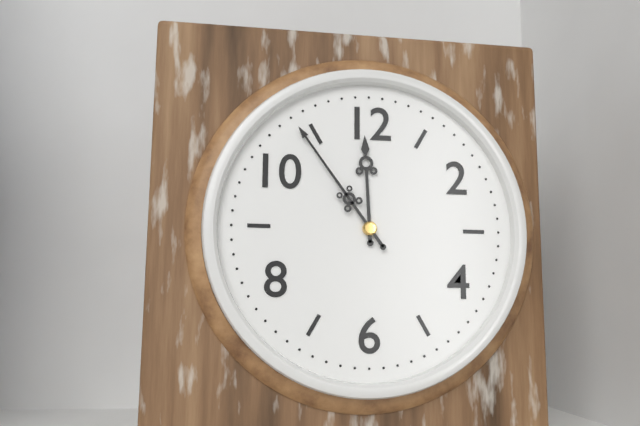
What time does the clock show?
11:54
